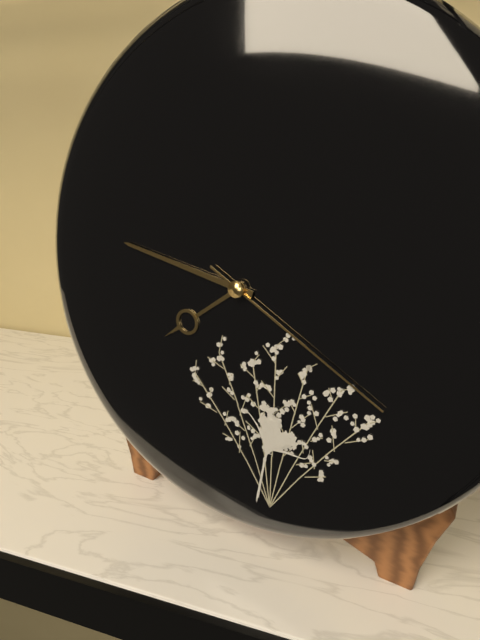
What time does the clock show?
7:47:20
